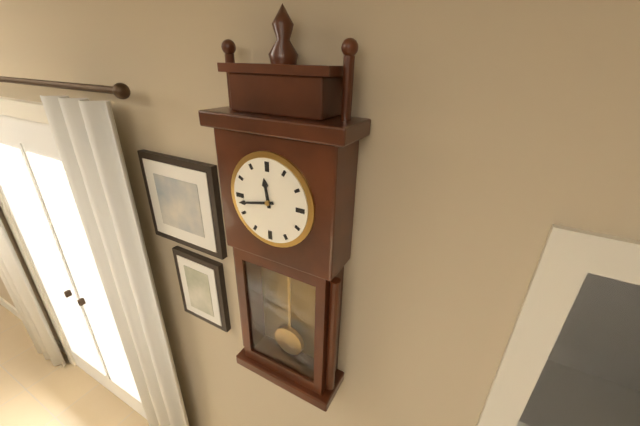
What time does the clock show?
11:43
